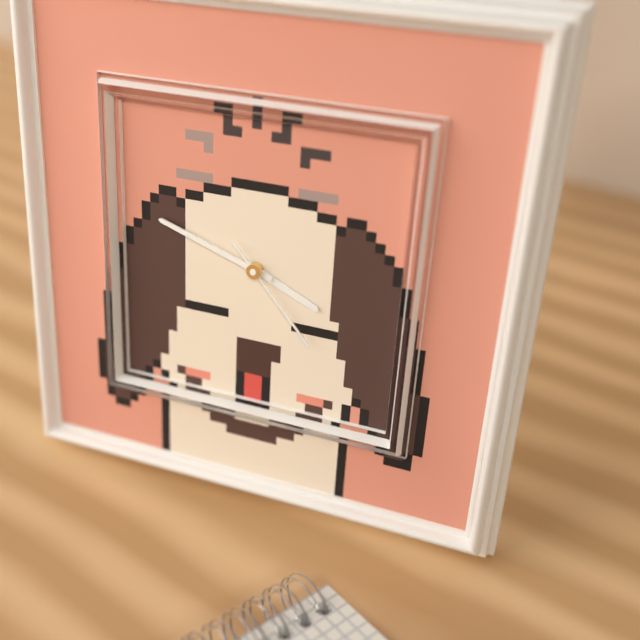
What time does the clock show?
3:48:23
